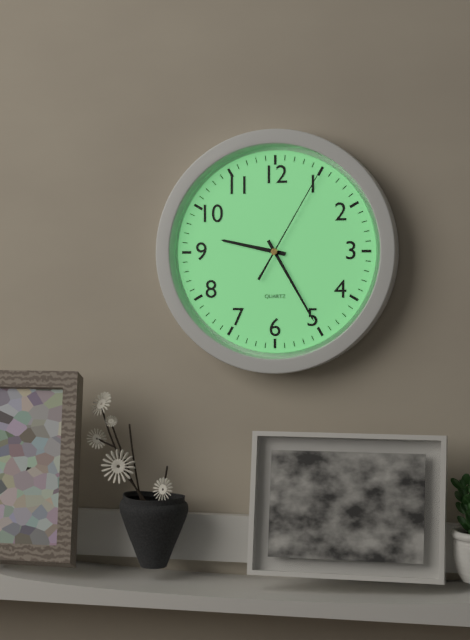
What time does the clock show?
9:25:05
